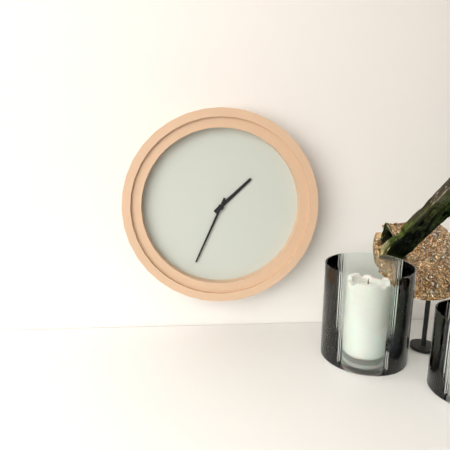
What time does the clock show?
1:34
